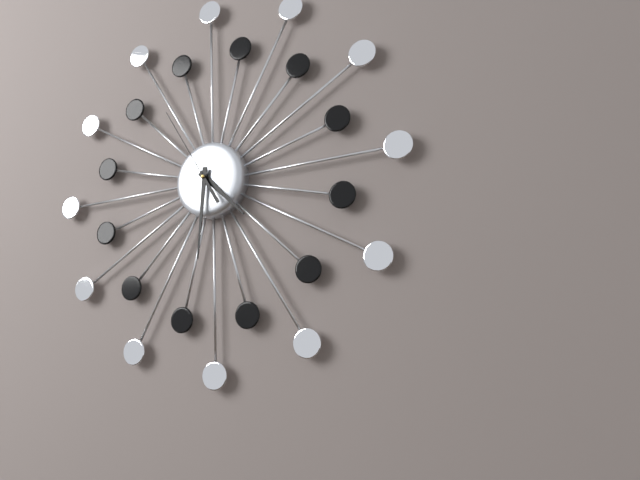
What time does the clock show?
4:31:55
